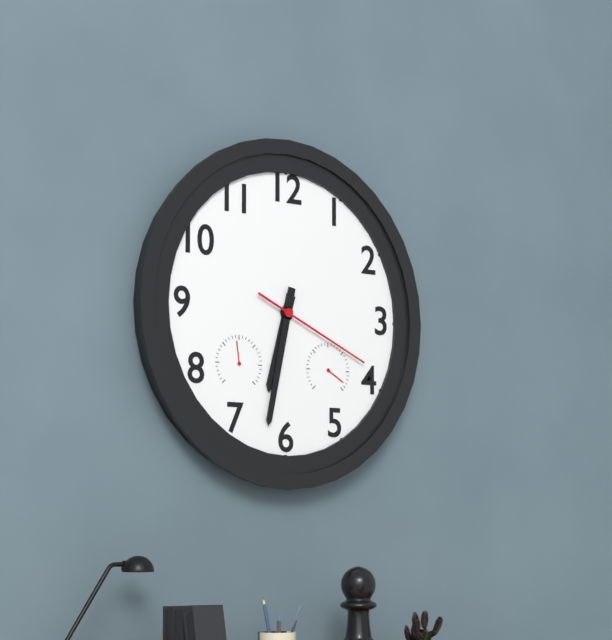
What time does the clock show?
6:32:19
